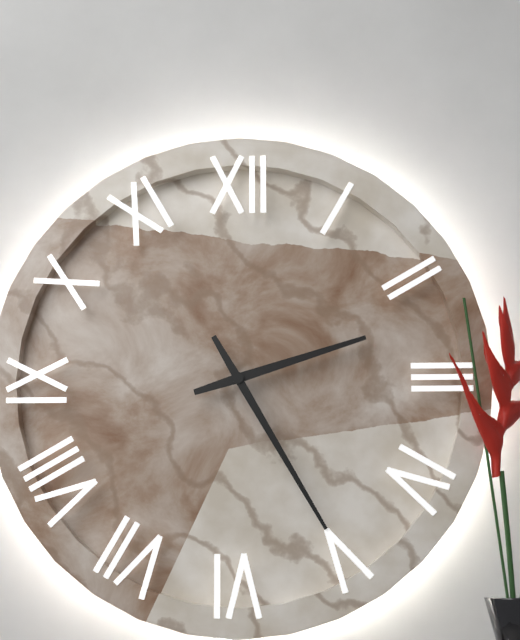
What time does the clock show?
2:25
